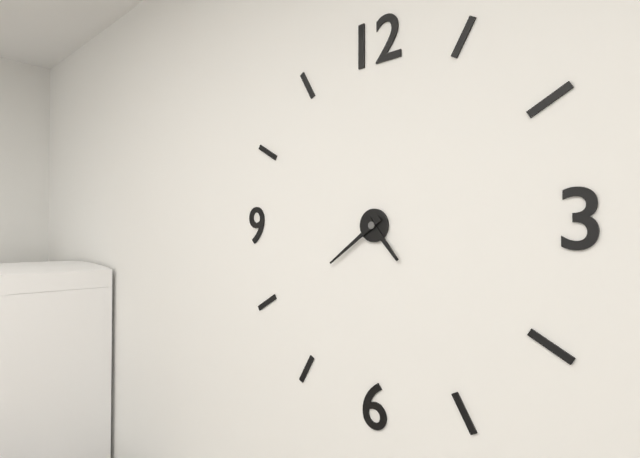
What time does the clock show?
4:39
